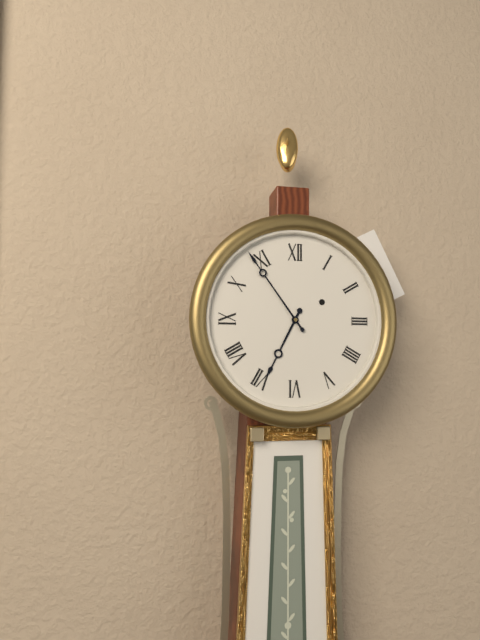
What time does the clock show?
6:54
